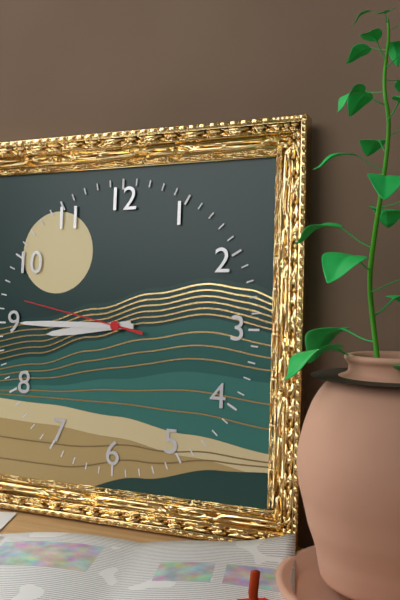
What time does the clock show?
8:45:47
